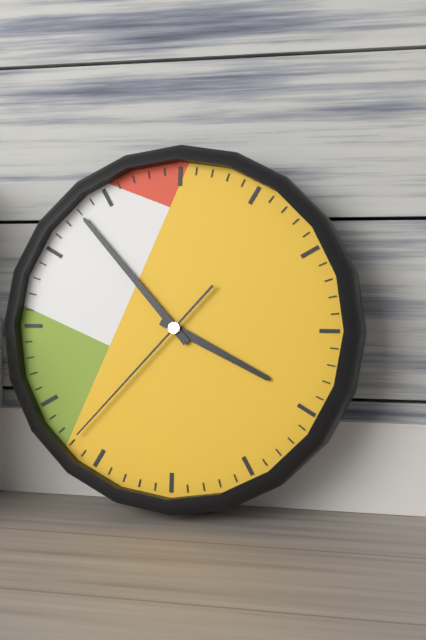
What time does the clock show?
3:53:37
